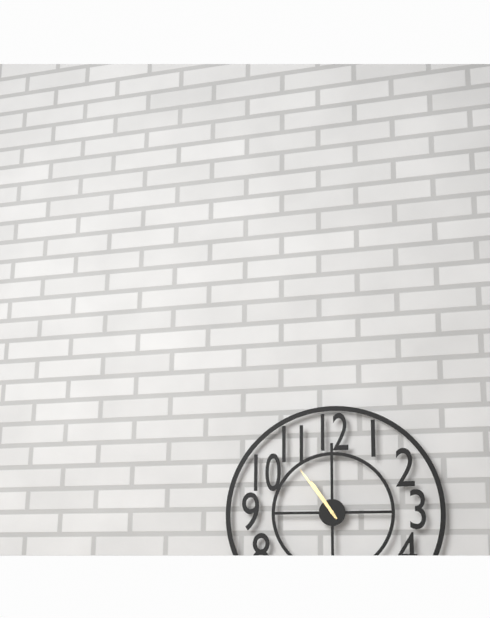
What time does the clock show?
10:54
